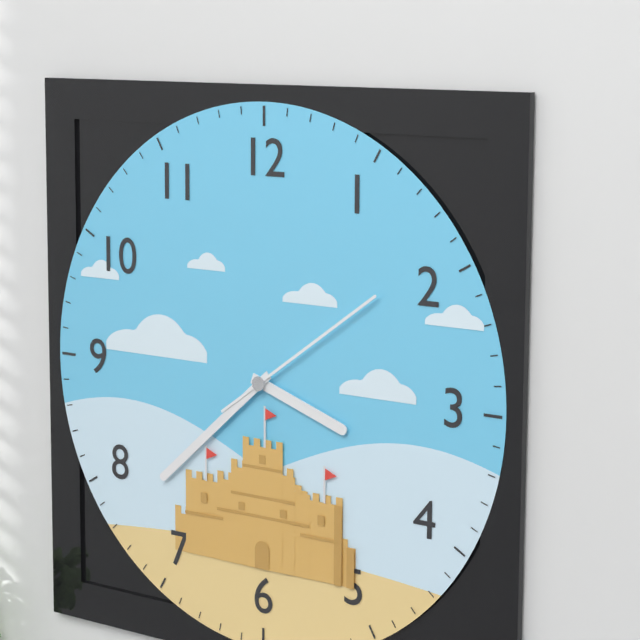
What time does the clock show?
3:38:09
